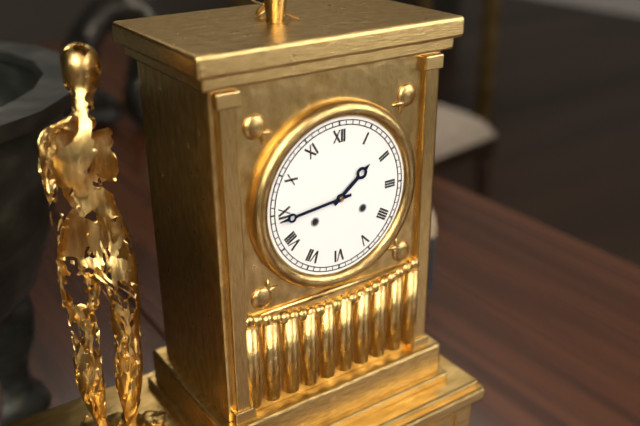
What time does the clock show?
1:44
